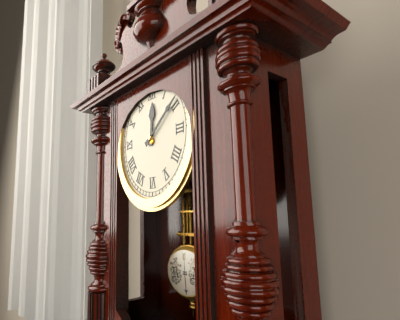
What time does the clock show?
12:09
